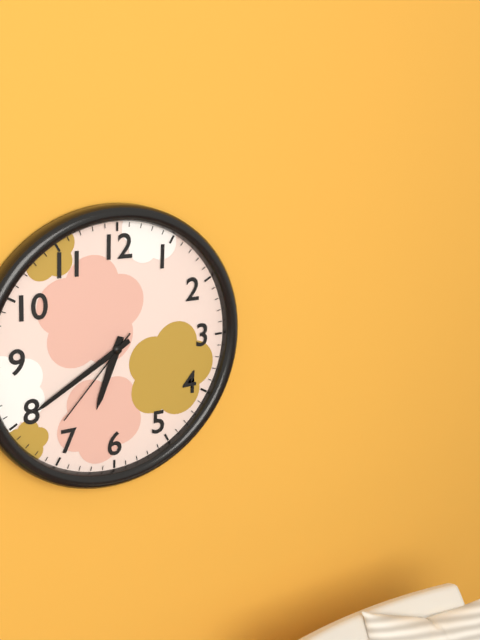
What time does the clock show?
6:40:37
